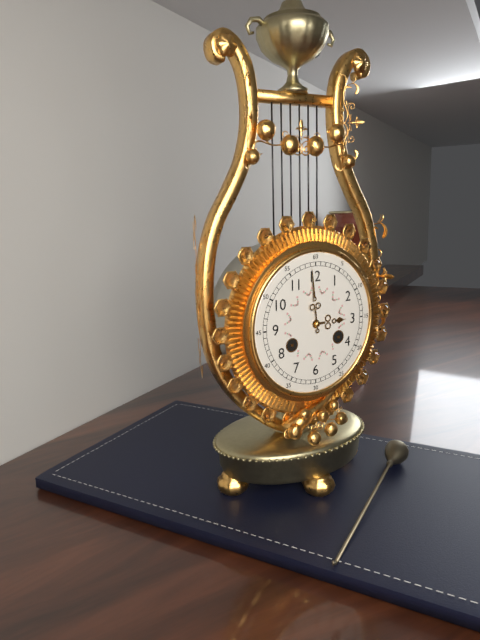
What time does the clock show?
2:59
